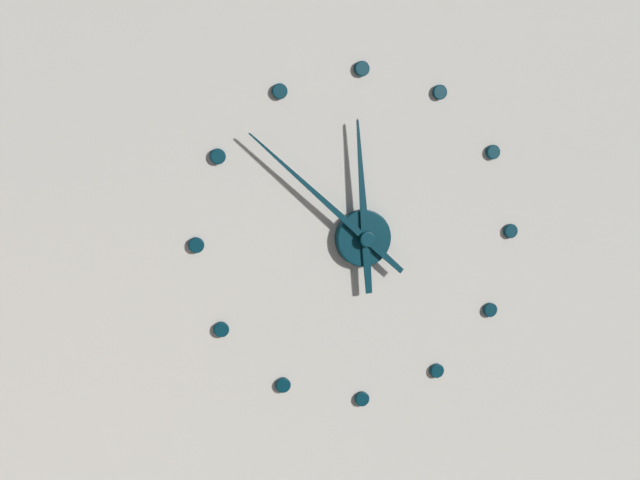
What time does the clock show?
11:52
